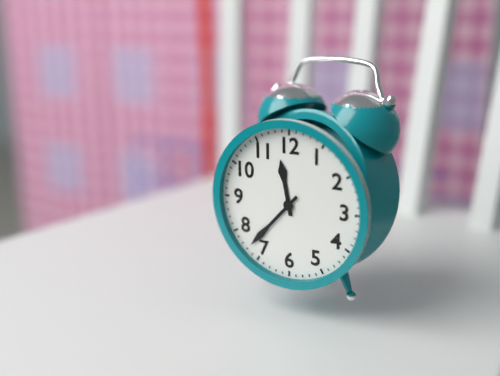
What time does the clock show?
11:37
